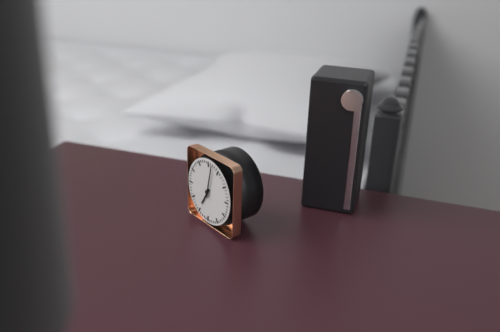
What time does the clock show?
7:02
